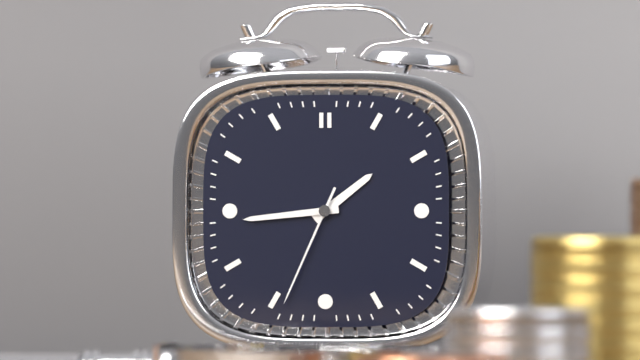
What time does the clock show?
1:44:34
